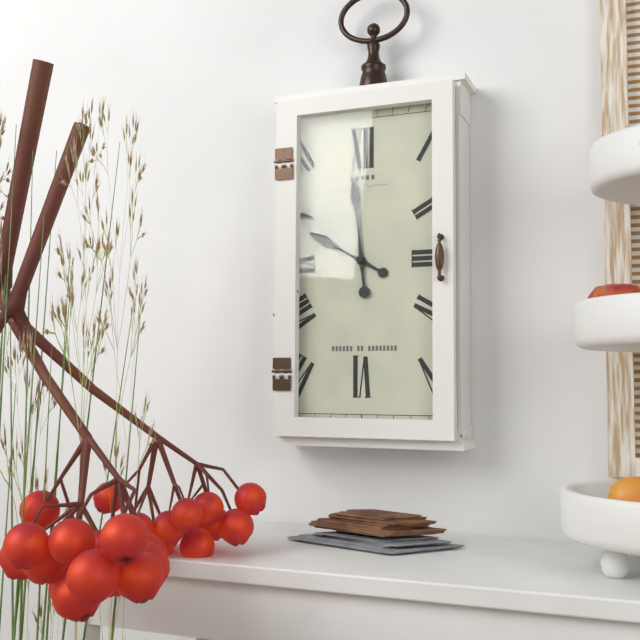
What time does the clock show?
9:59
